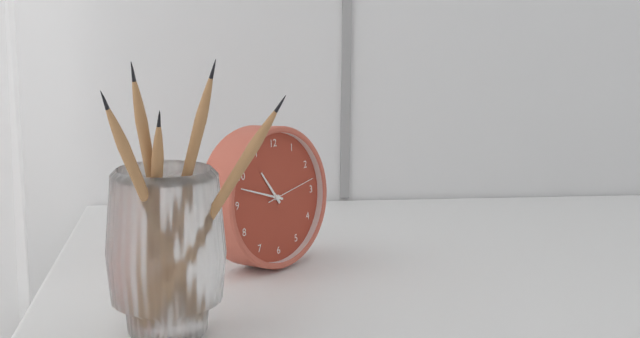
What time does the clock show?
10:48
